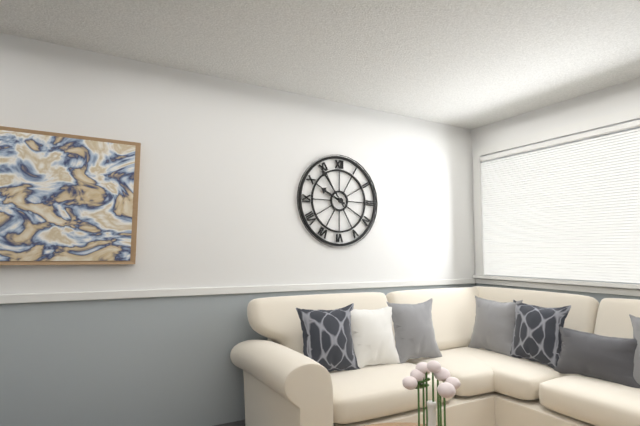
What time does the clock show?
9:54
